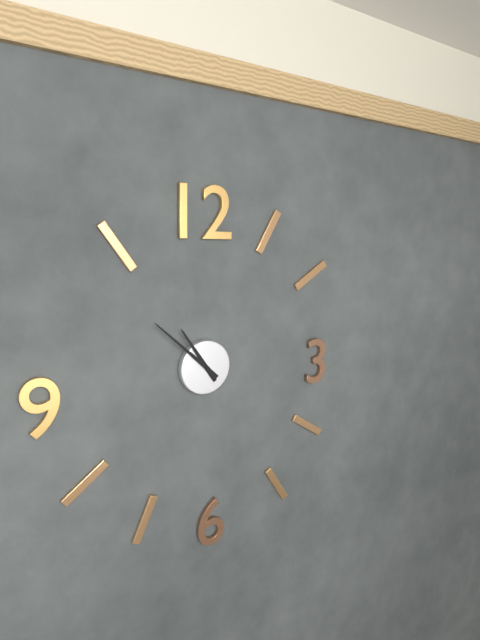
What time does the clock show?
10:52
